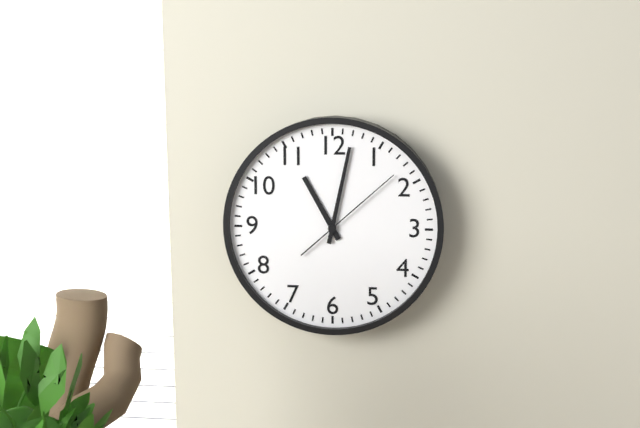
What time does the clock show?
11:02:08
